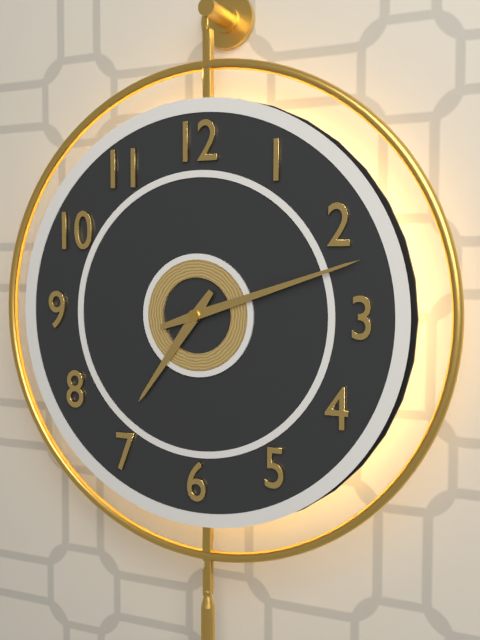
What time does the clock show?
7:12
